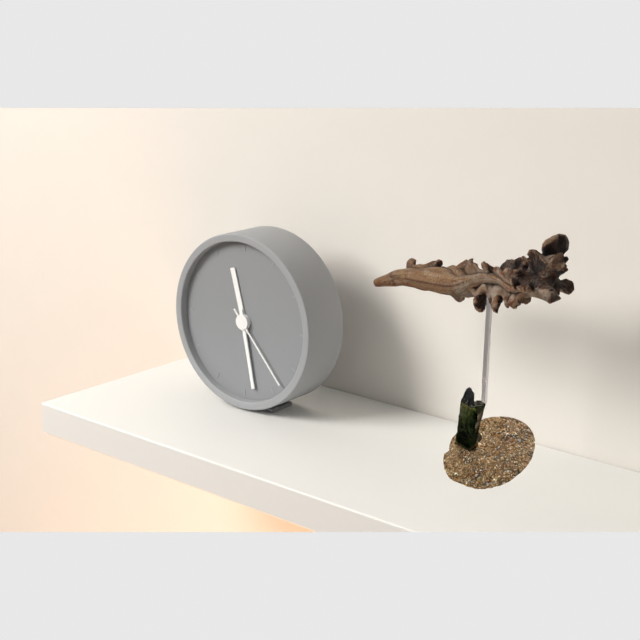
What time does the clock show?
11:28:23
